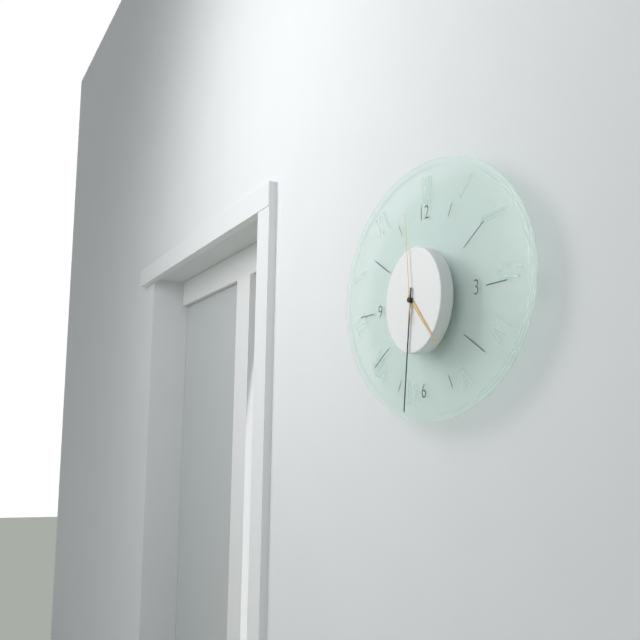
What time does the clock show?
4:31:59
